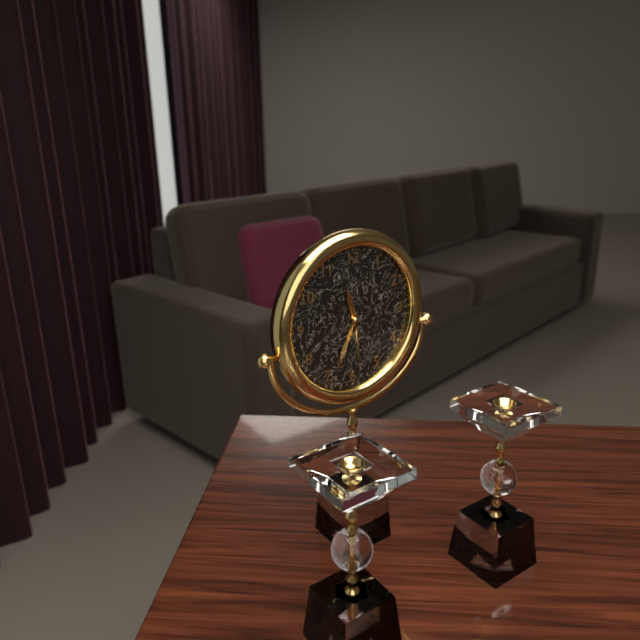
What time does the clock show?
11:34:29
